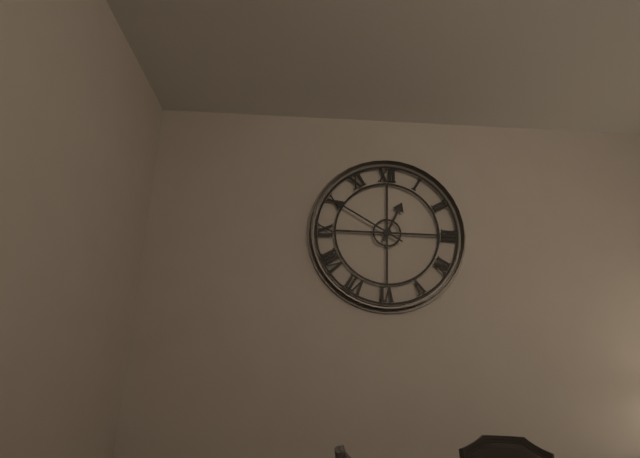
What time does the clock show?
12:50
